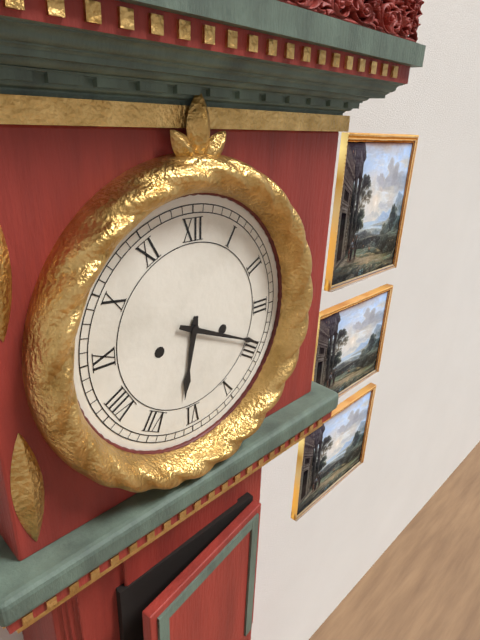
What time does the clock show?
6:19
